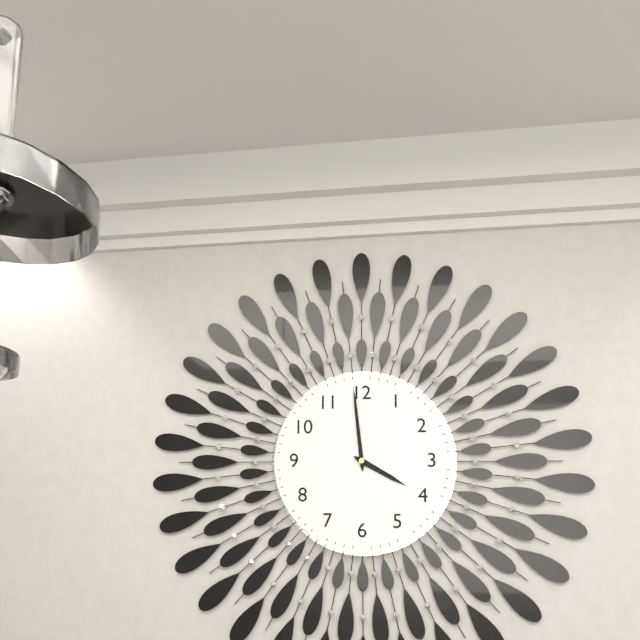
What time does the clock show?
3:59
